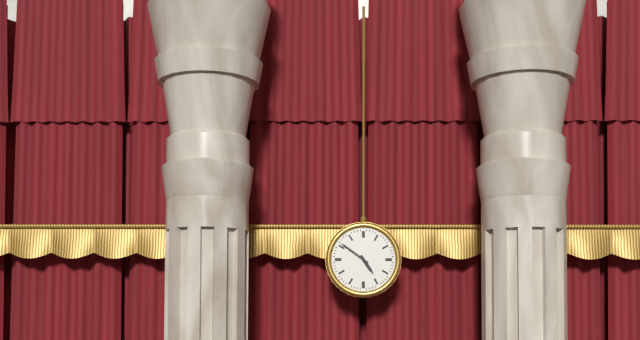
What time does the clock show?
4:51
